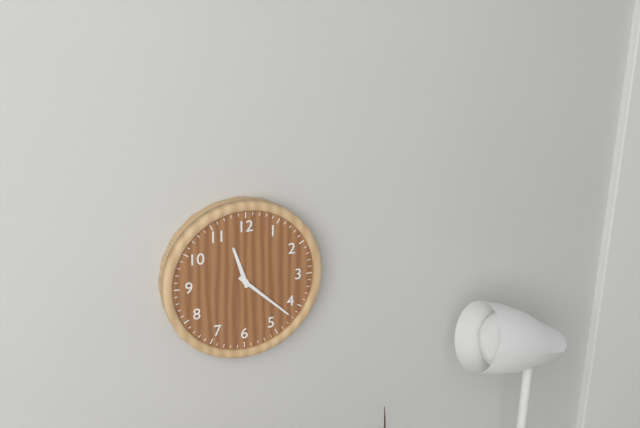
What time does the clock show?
11:22
